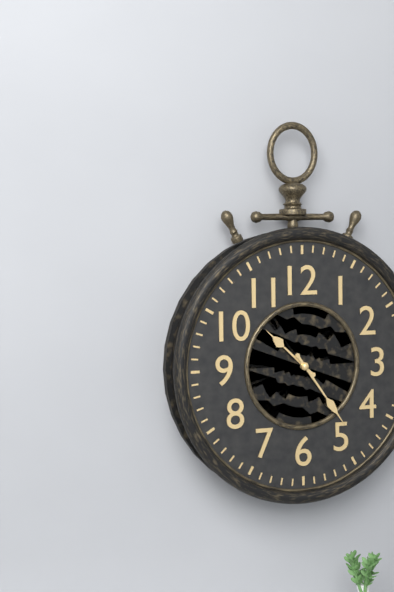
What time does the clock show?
10:24
